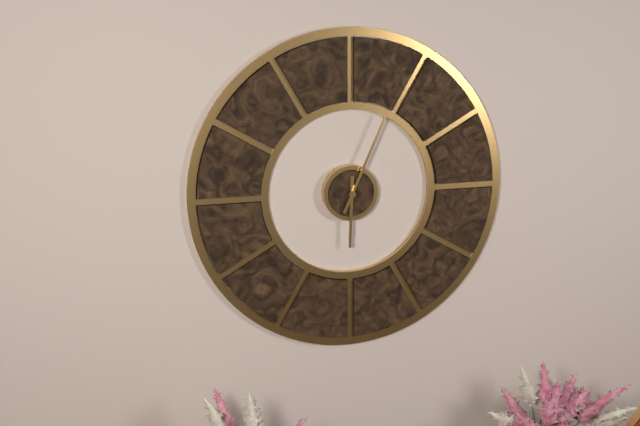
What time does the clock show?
6:04
